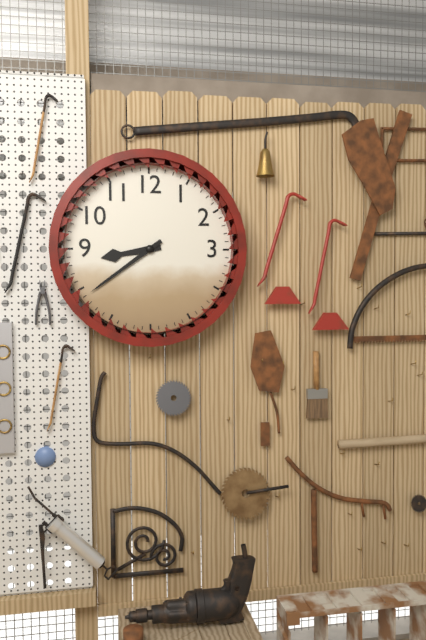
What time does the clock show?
8:39
